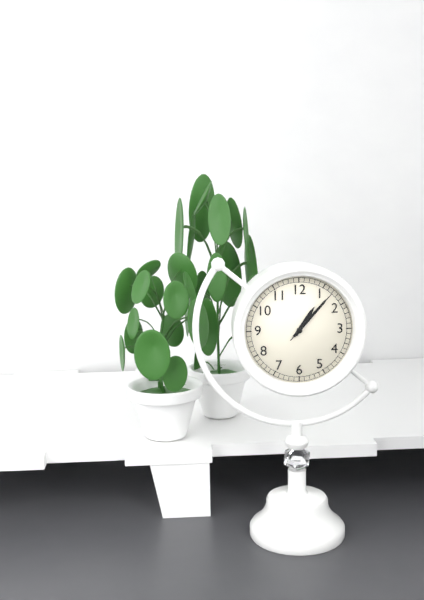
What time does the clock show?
1:07:07
